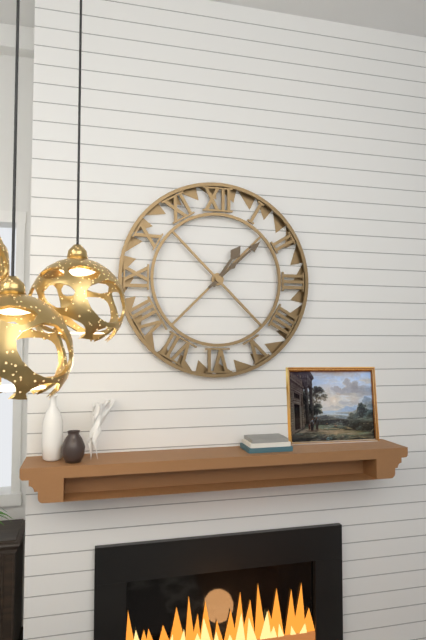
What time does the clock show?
1:08
